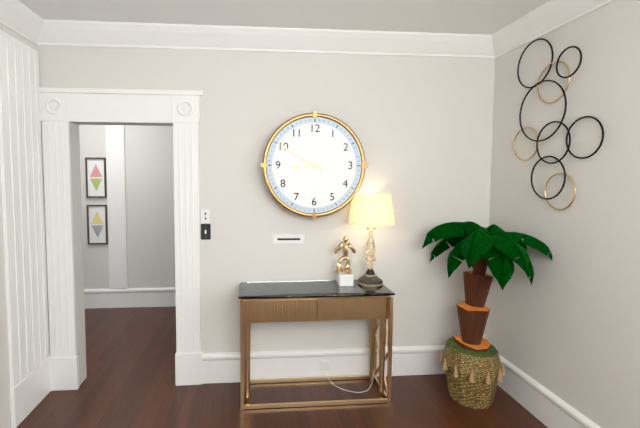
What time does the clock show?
8:50
